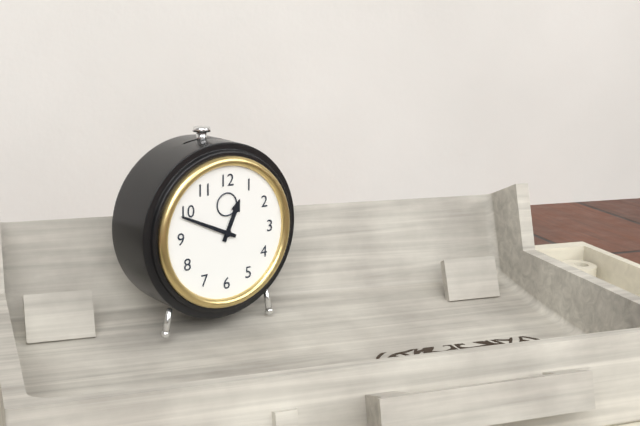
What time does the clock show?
12:49
